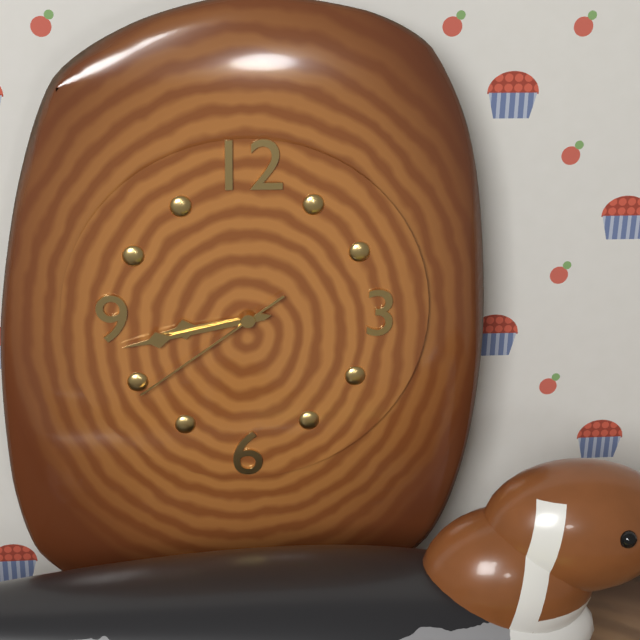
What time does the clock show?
8:43:39
